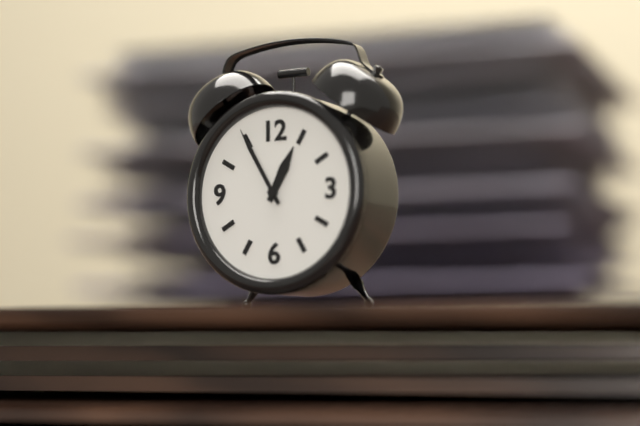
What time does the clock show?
12:55
